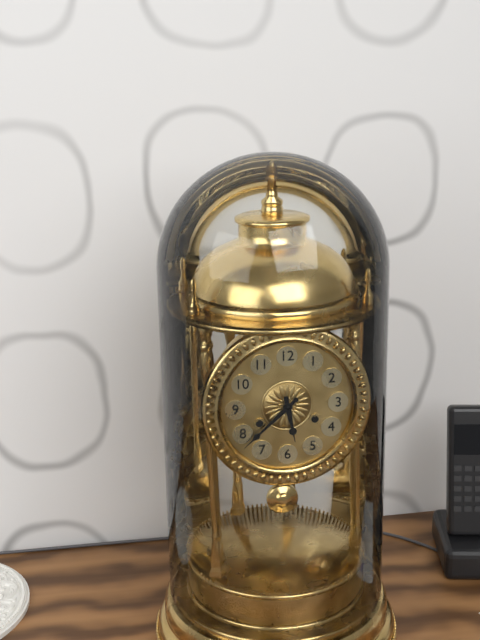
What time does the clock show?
5:38
